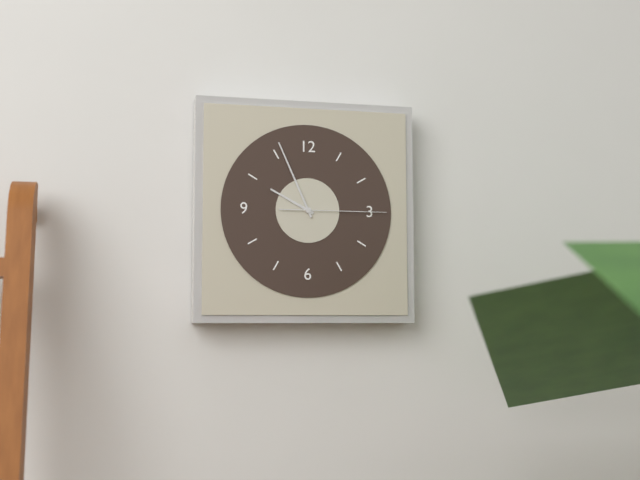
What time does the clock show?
9:56:15
